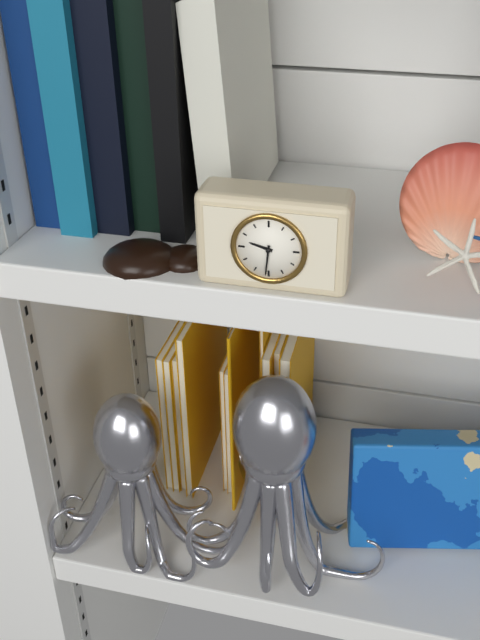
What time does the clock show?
9:31
